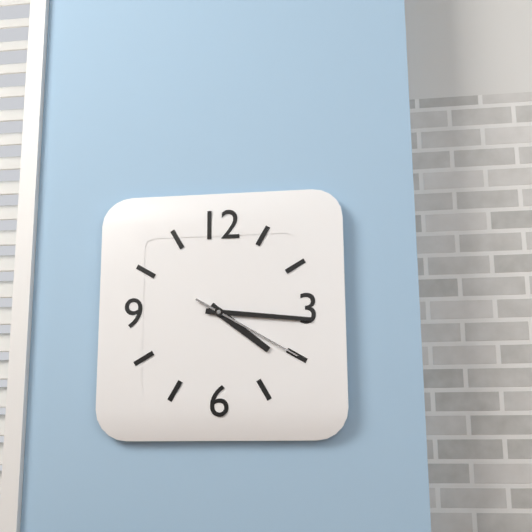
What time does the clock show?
4:16:20
